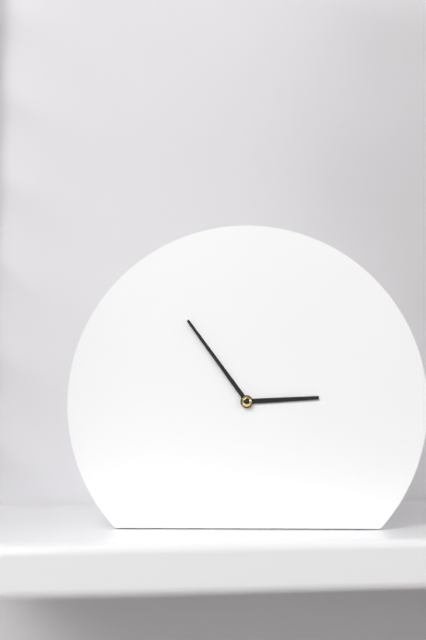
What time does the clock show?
2:54
